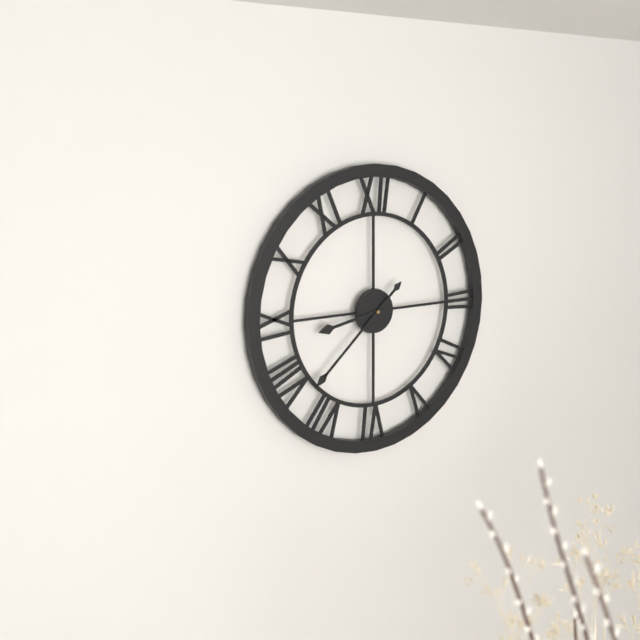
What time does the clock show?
8:38
